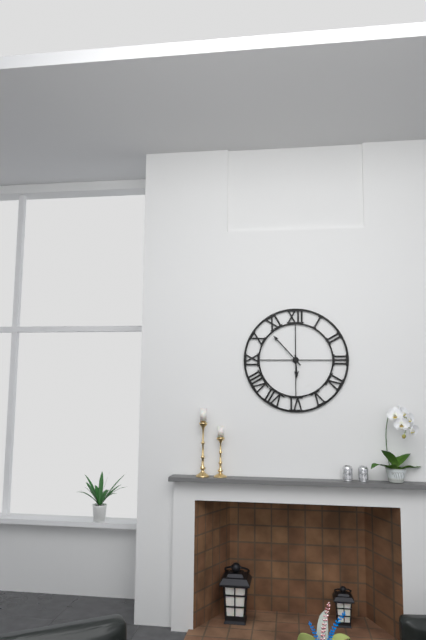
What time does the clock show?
5:53
